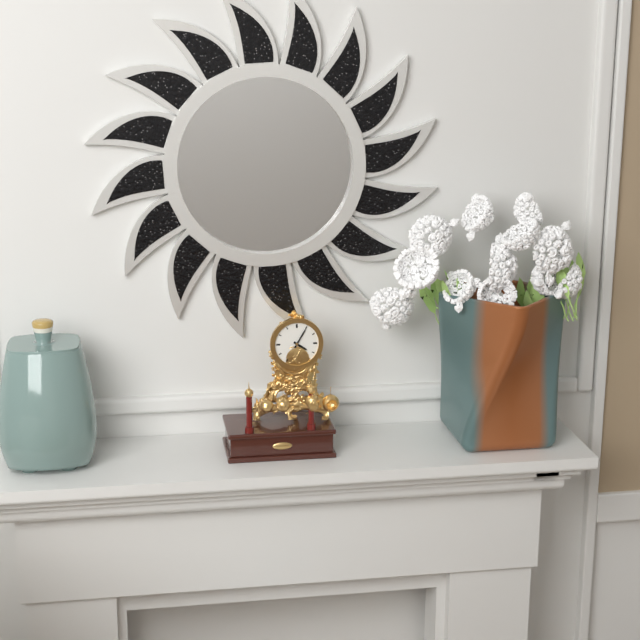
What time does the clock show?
4:05
